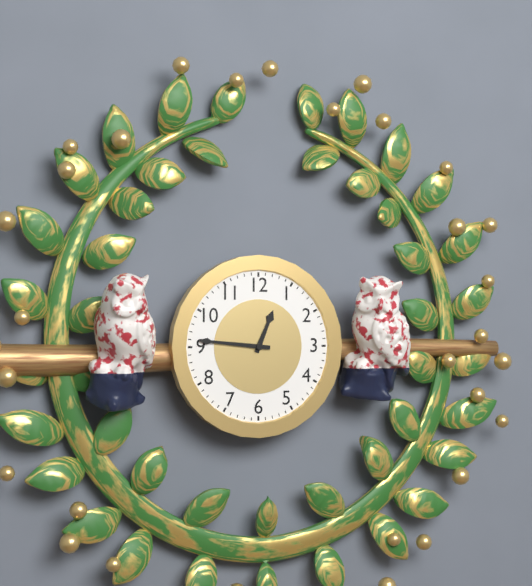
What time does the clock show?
12:46
